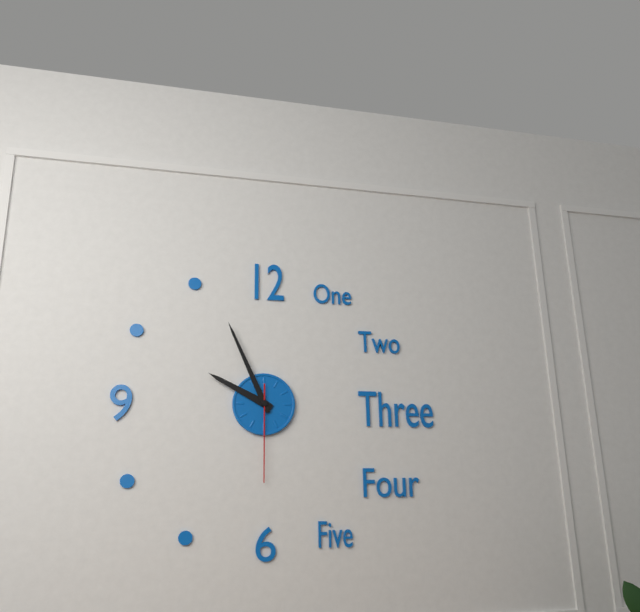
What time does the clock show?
9:56:30
